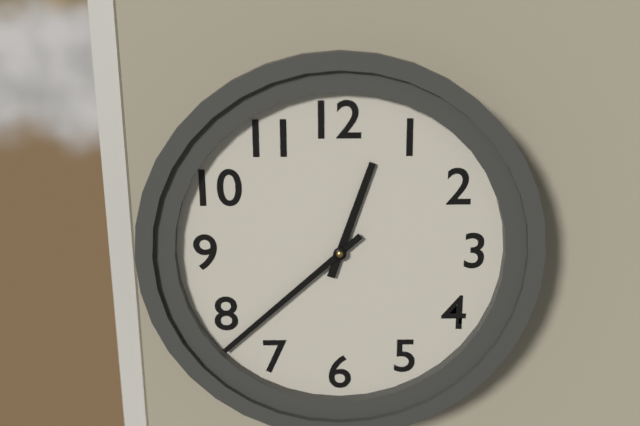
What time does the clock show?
12:38
